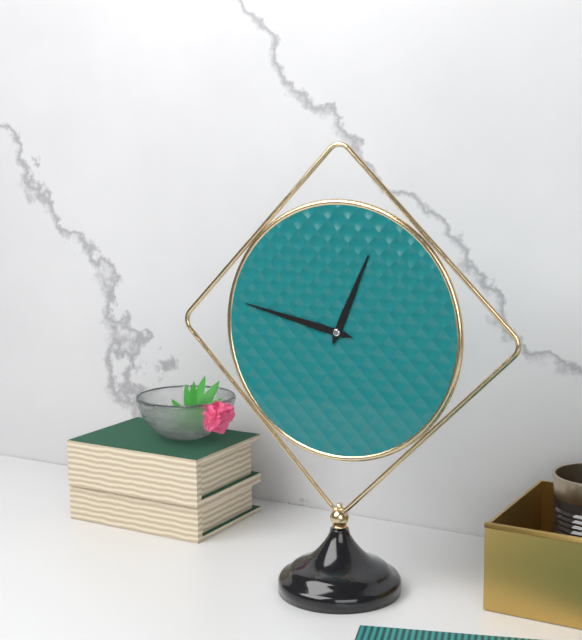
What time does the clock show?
12:47
